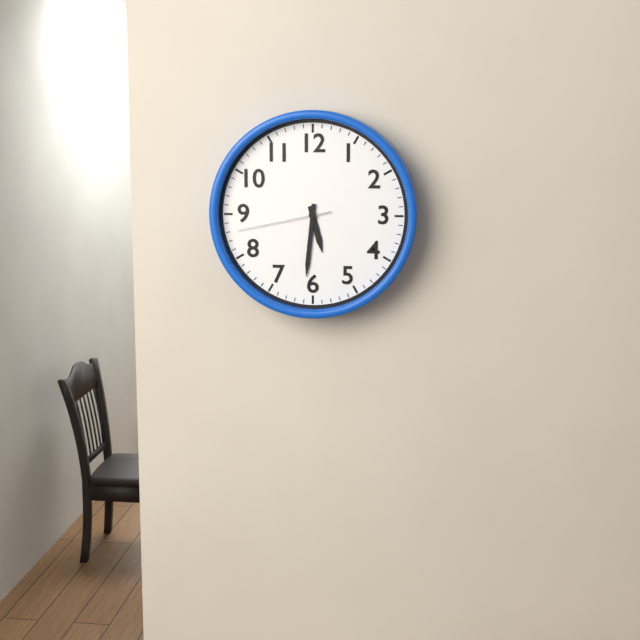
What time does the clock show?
5:31:43
